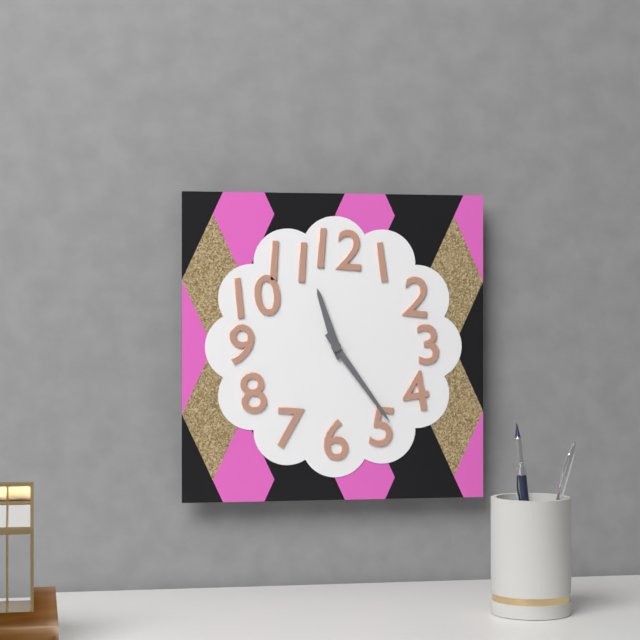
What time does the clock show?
11:24
